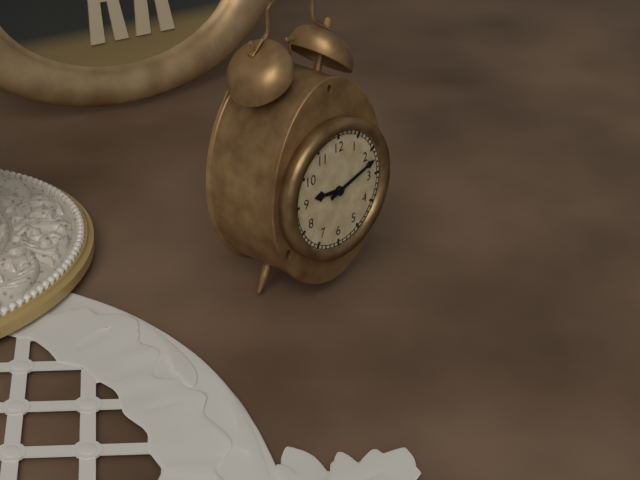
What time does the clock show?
9:12
